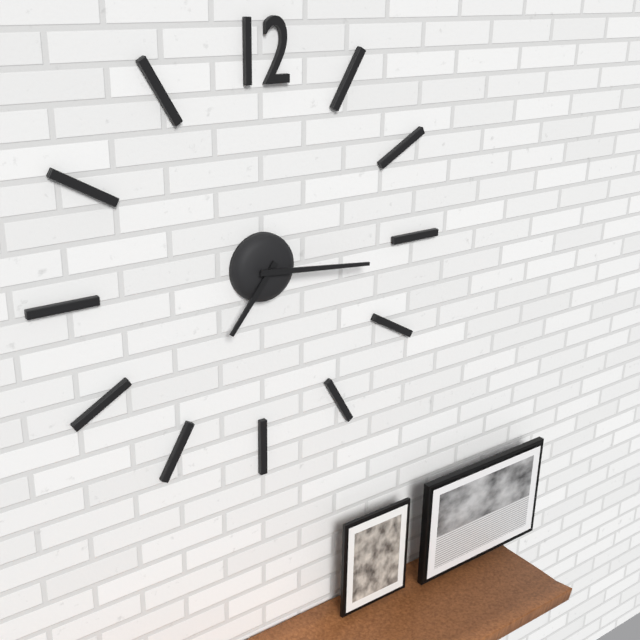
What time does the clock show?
7:16
